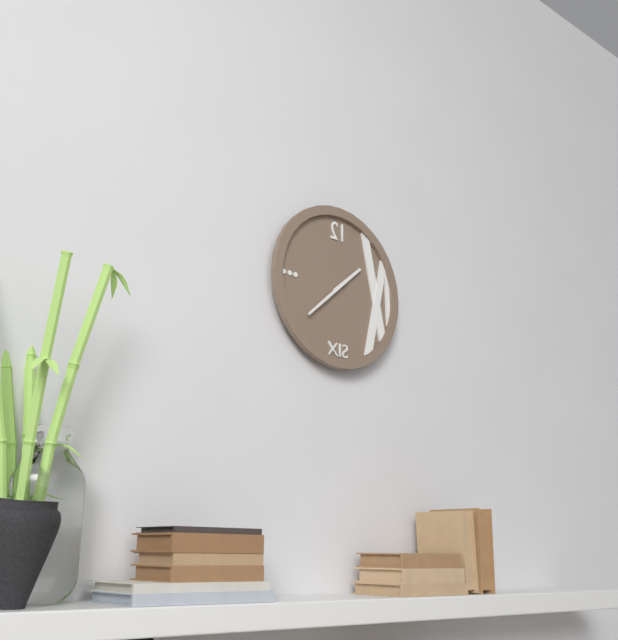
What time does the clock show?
1:38
